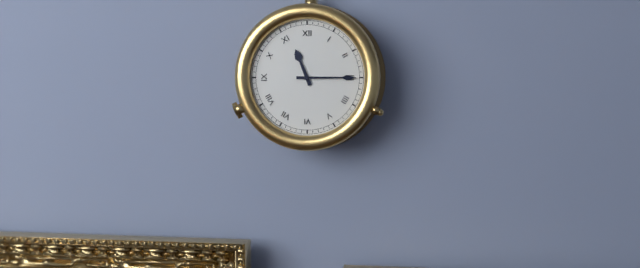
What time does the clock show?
11:15
